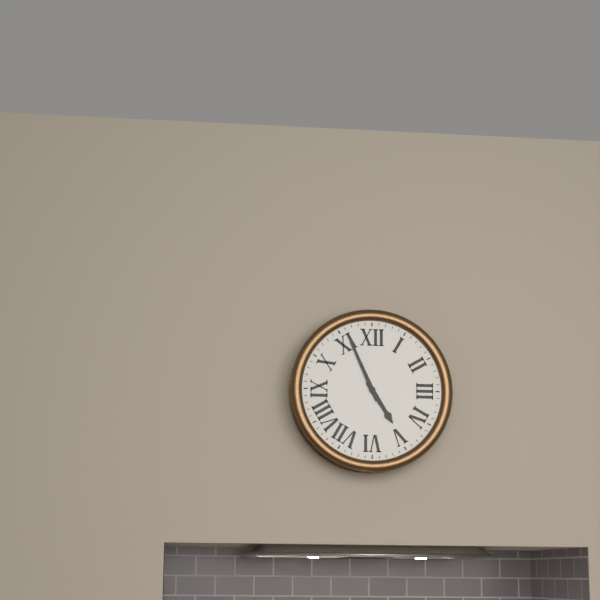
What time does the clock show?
4:56
